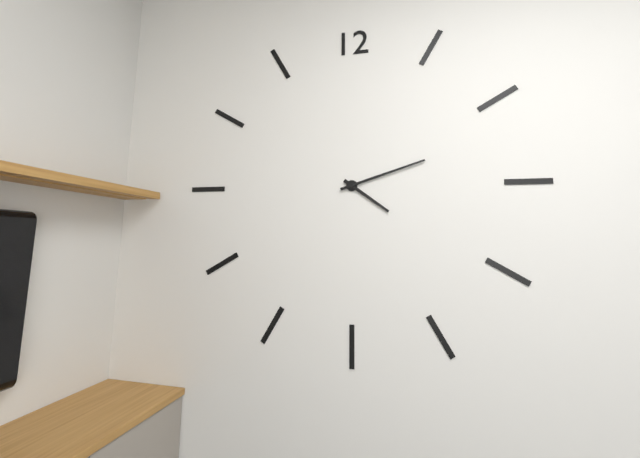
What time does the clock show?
4:12
